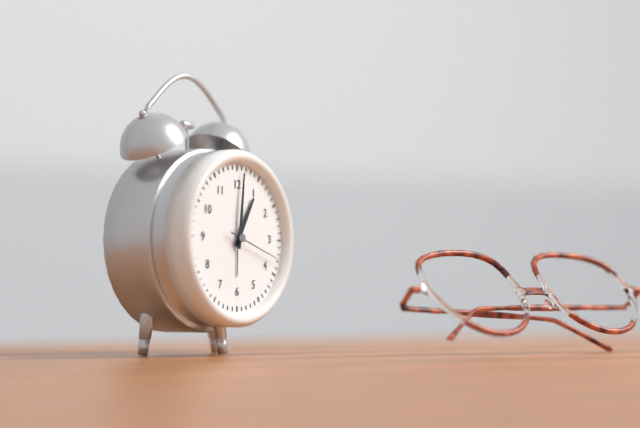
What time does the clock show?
1:01:18
